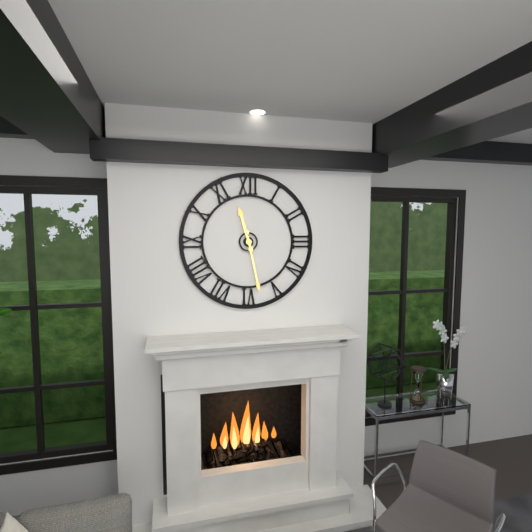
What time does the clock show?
11:28
